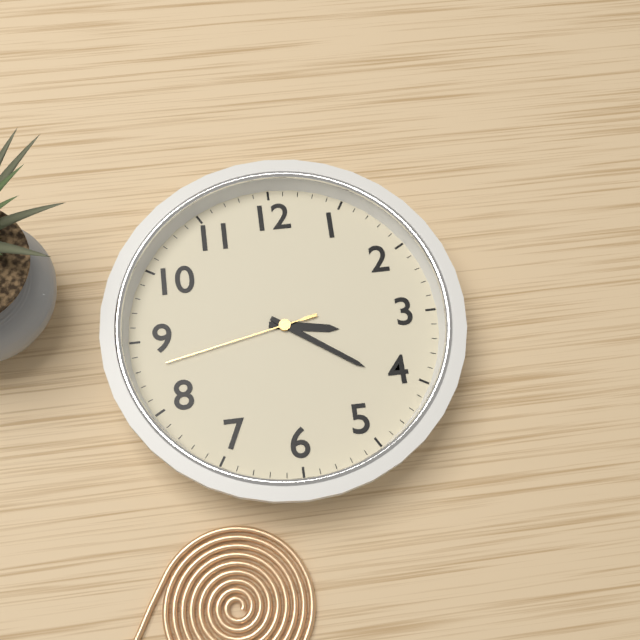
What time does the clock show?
3:21:43
